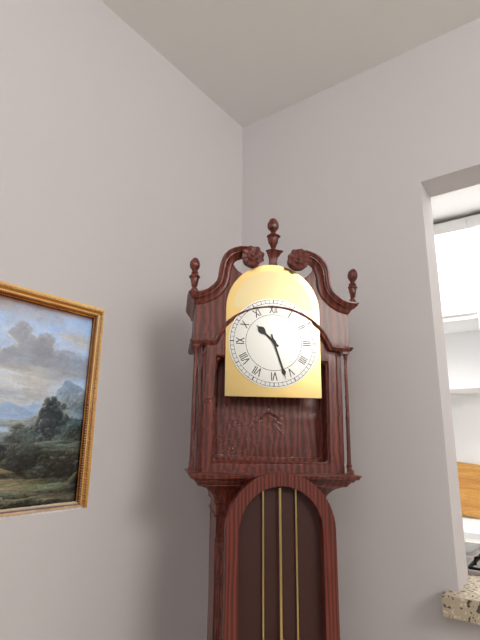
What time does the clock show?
10:27
